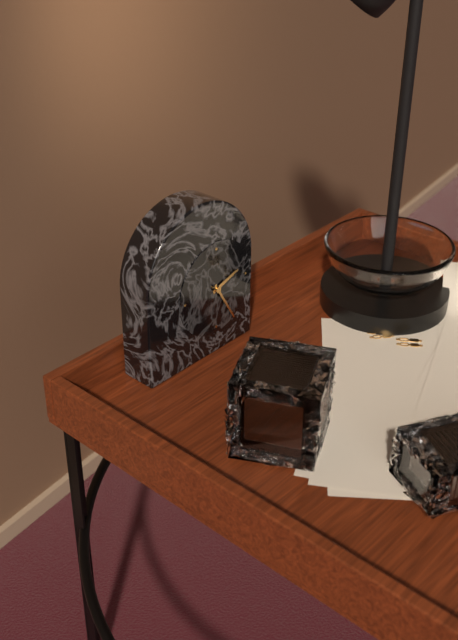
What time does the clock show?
2:25
